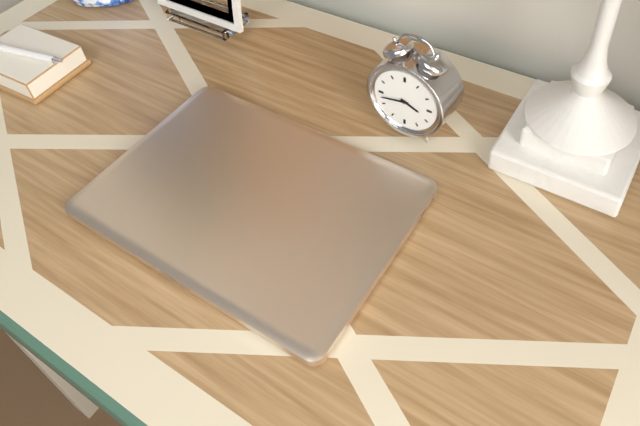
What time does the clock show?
3:43
